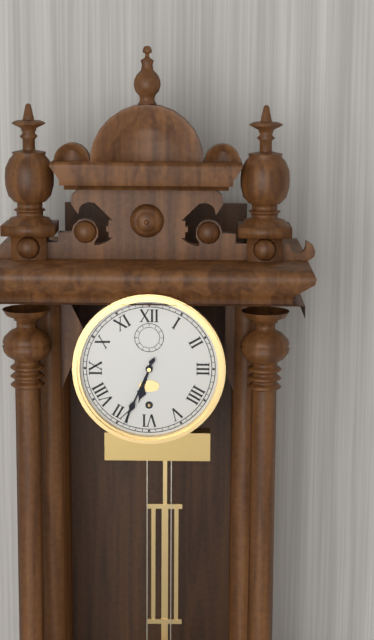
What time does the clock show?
6:34
